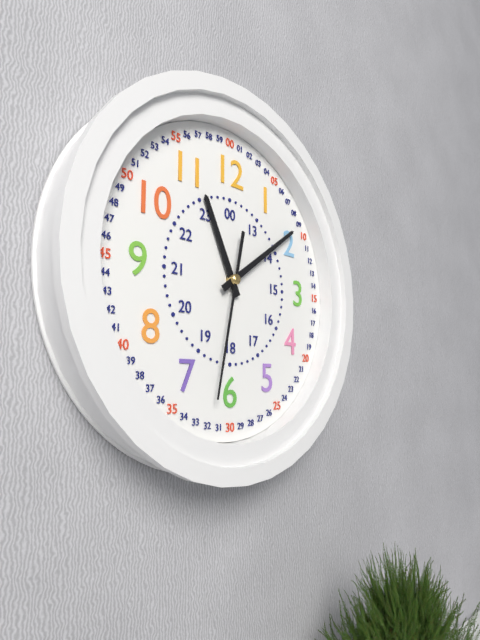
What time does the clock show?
11:09:32
